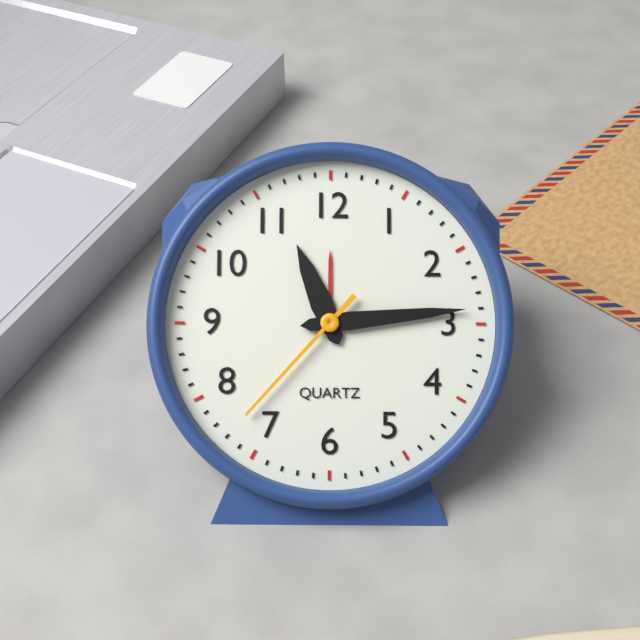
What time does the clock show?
11:14:37
